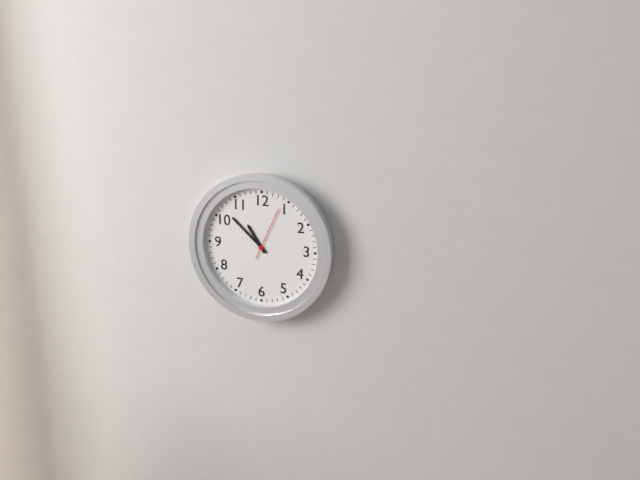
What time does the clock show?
10:52:04
